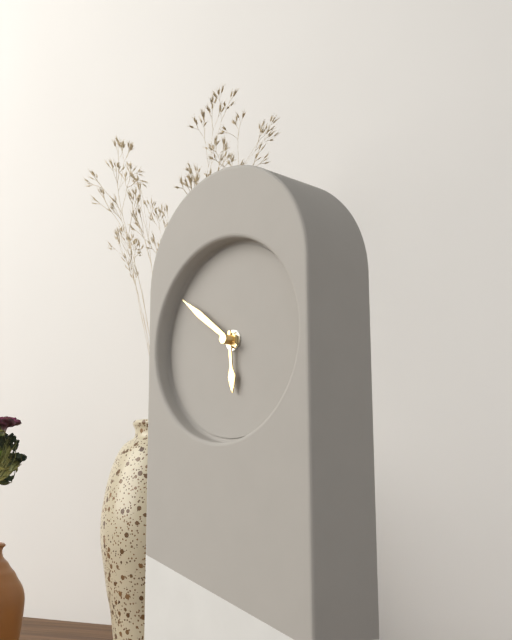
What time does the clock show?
5:51
